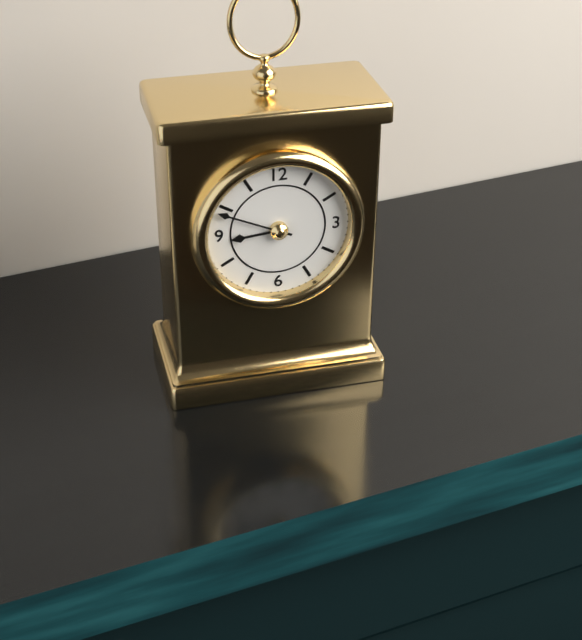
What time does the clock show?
8:49
